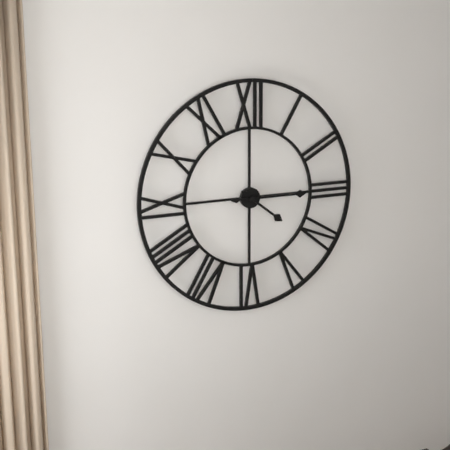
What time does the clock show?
4:15
